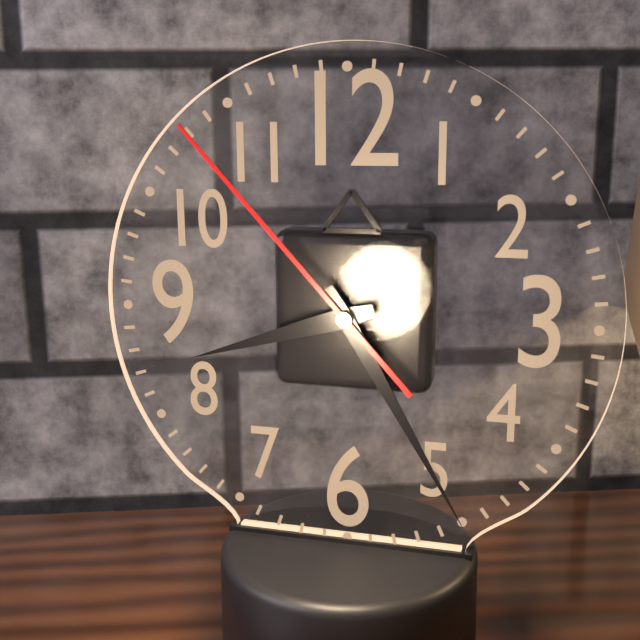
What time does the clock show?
8:25:53
